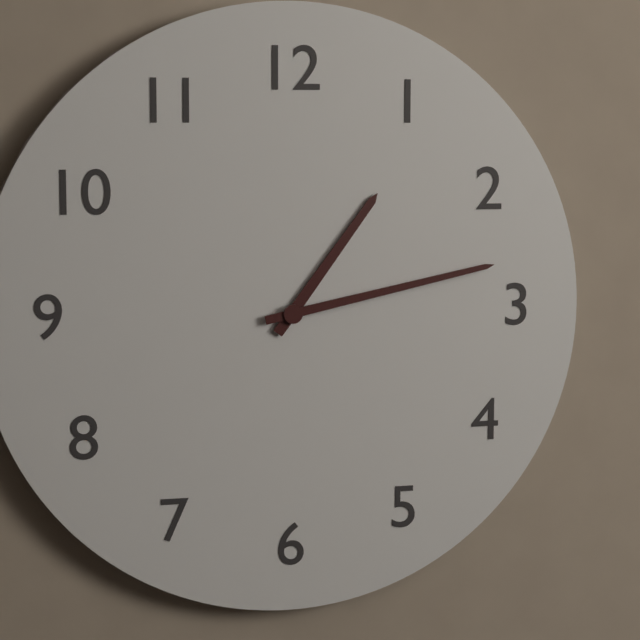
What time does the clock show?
1:13
